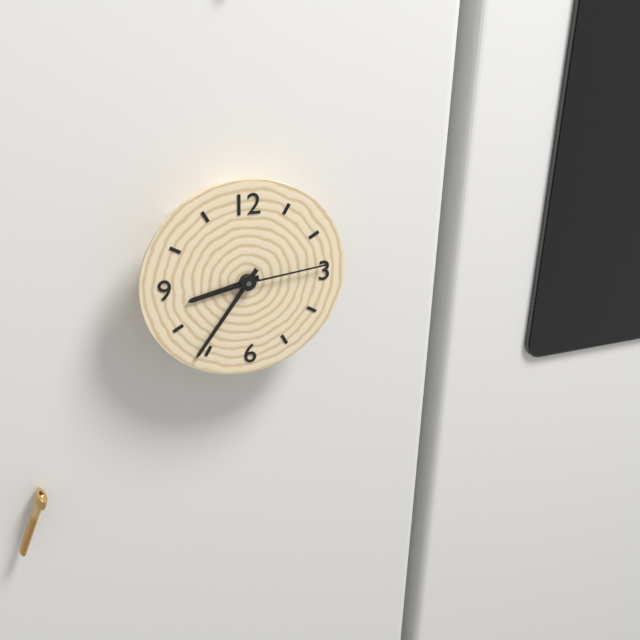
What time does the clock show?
8:36:14
